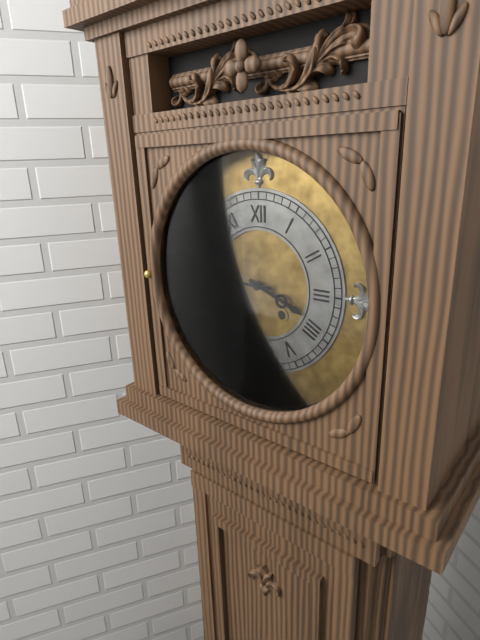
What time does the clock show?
3:45
